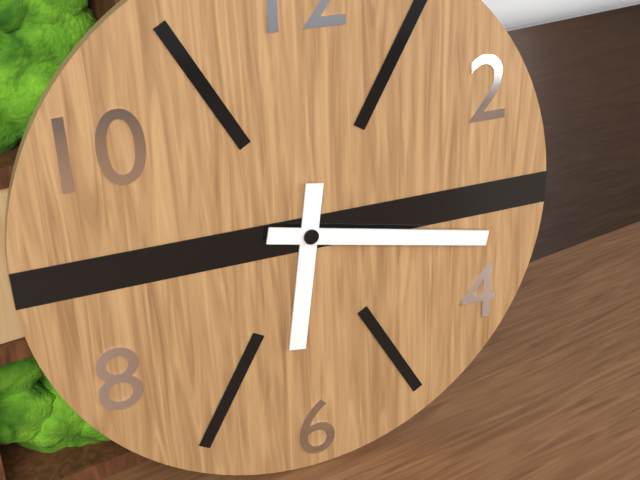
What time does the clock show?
6:17
